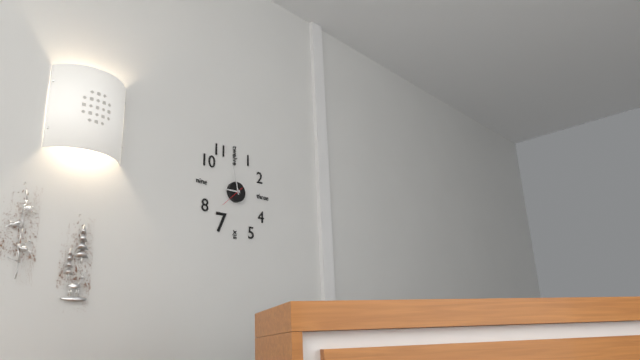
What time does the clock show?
8:58
